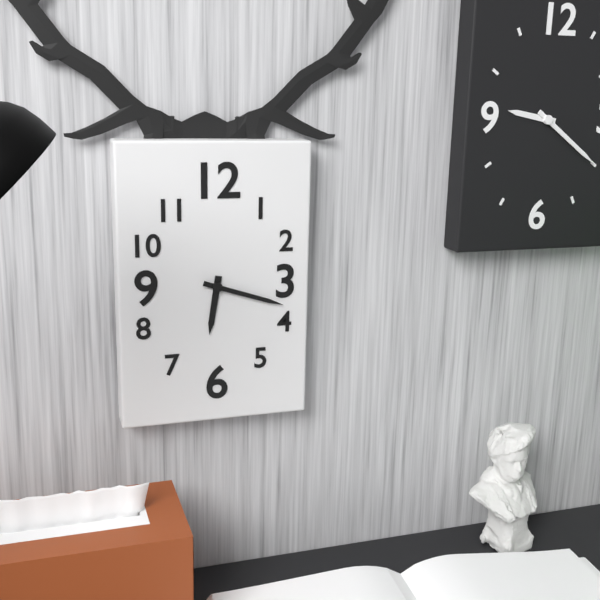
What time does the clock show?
6:18
